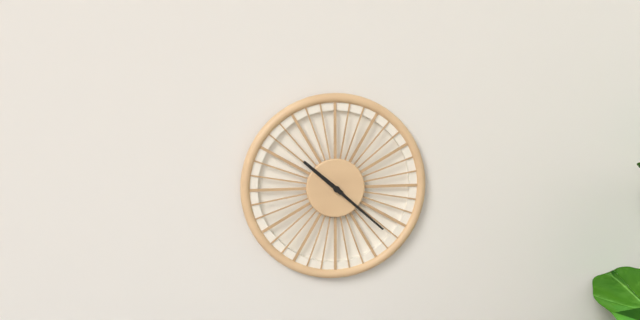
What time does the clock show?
10:22
